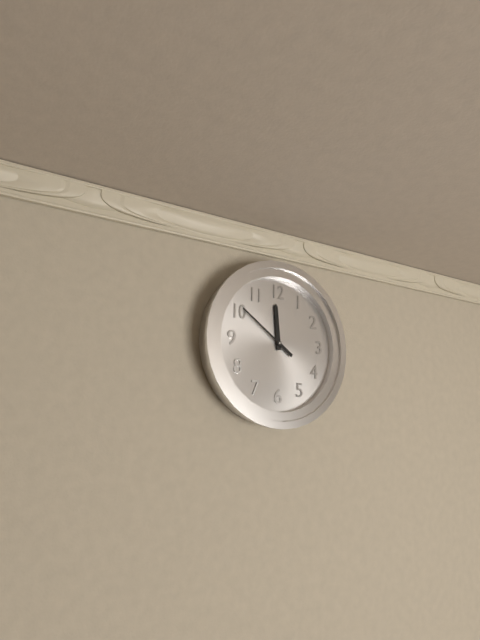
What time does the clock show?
11:51
